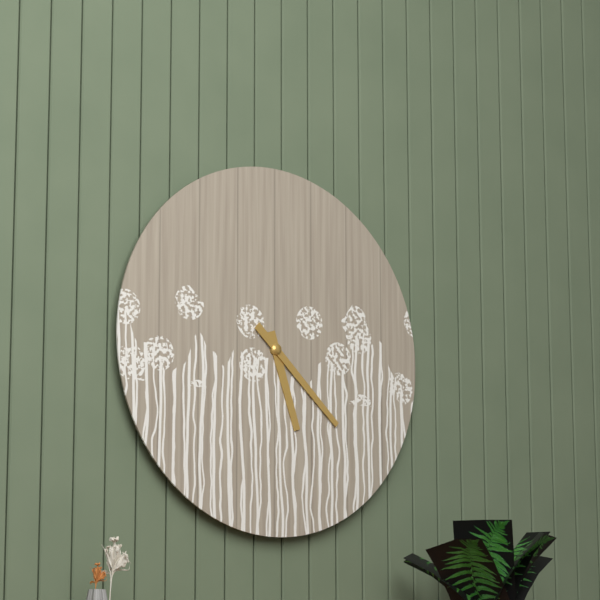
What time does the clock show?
5:22
